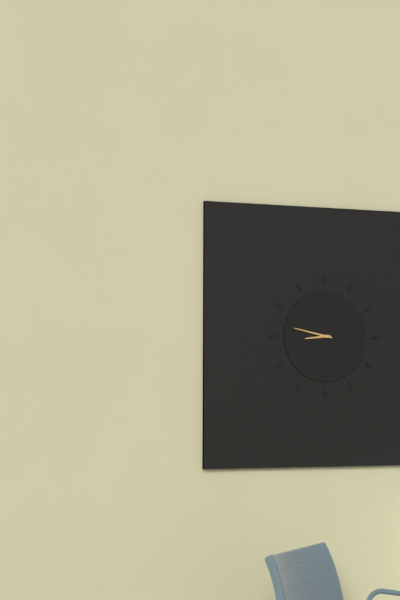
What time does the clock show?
8:47
